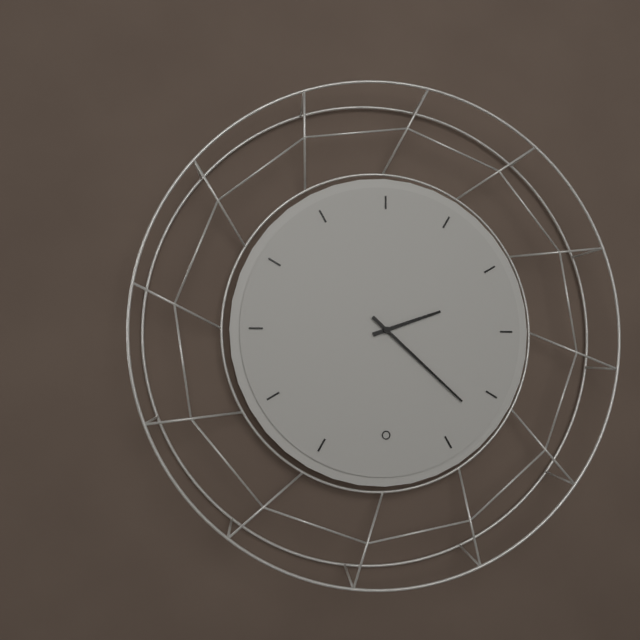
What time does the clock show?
2:22
